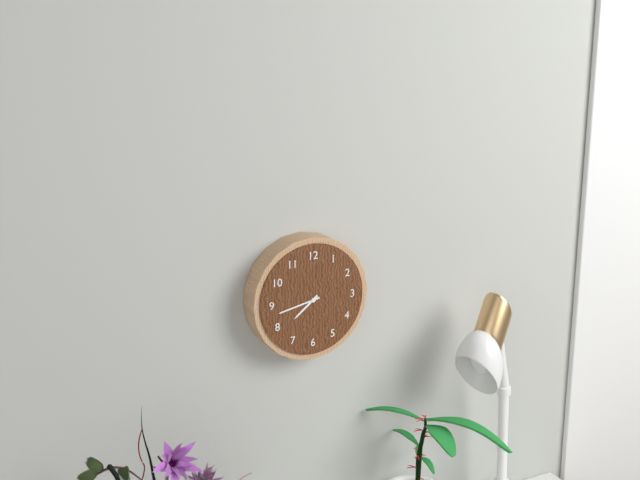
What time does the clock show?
7:43
